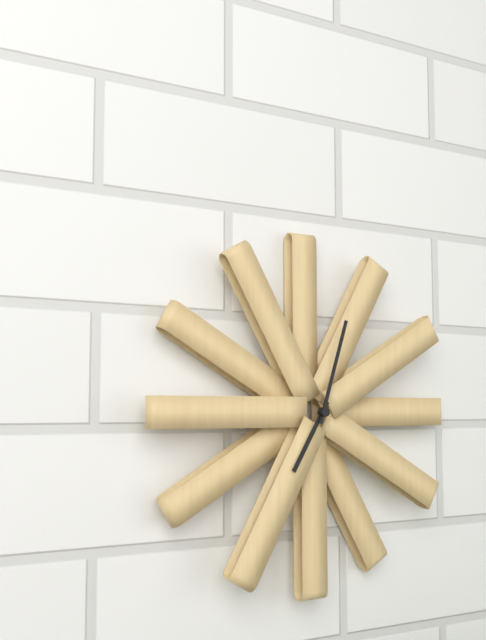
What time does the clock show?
7:03
